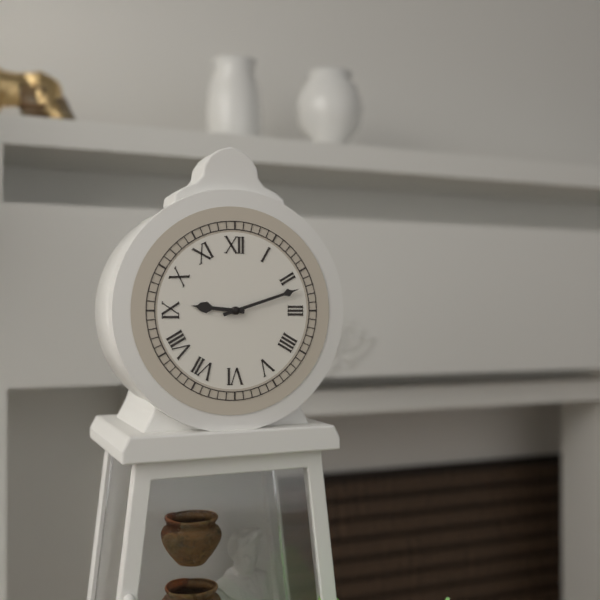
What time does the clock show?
9:12
